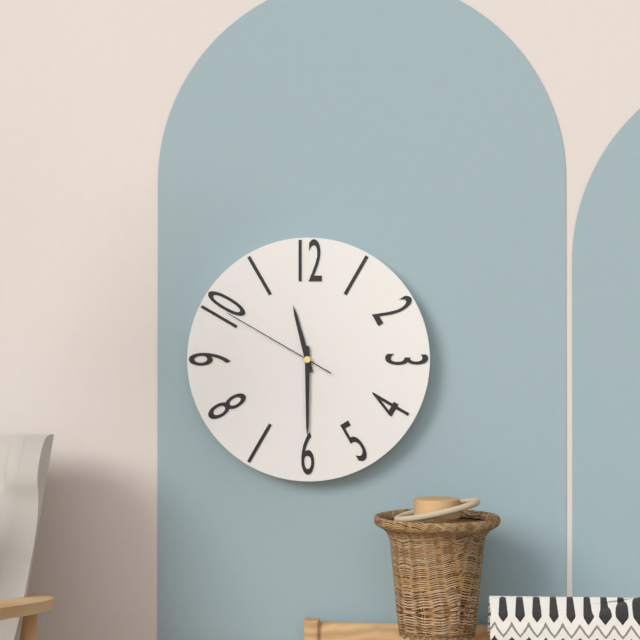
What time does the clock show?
11:30:50
